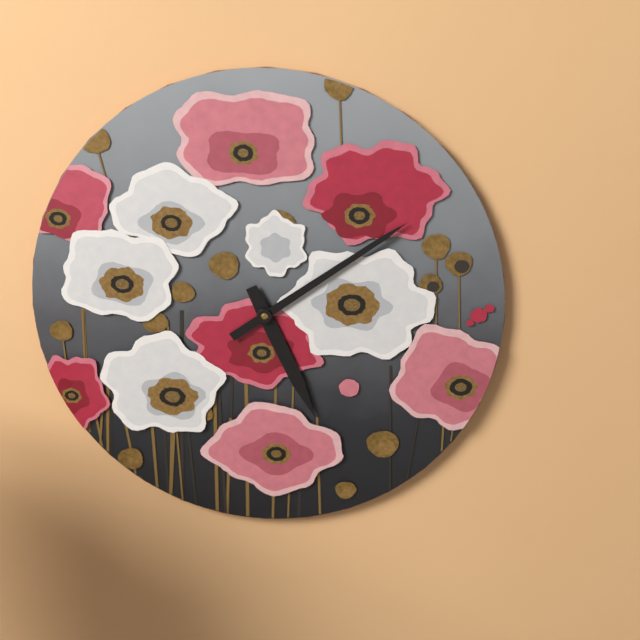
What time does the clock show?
5:09
